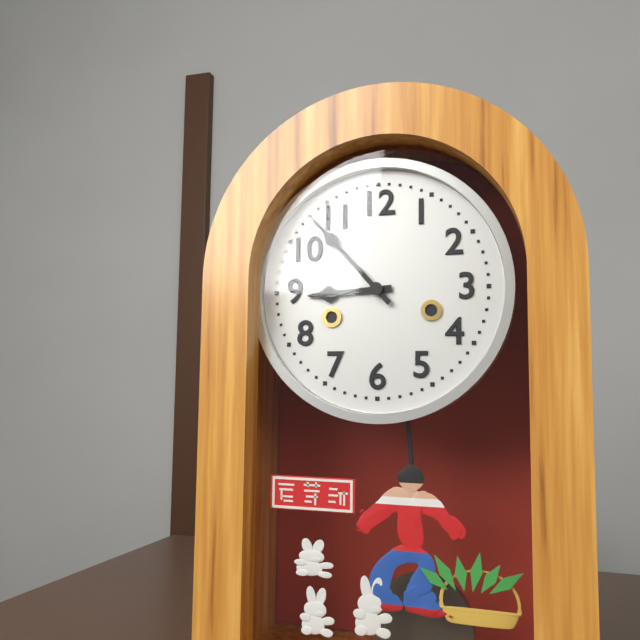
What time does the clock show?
8:53
